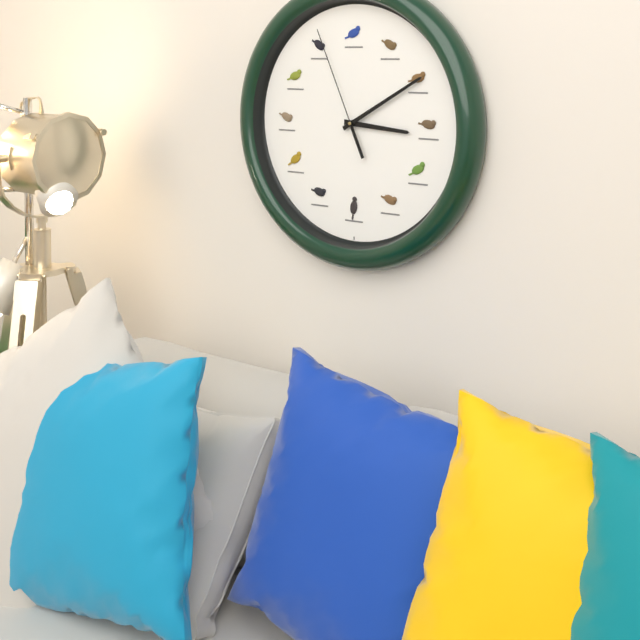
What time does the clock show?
3:10:56
